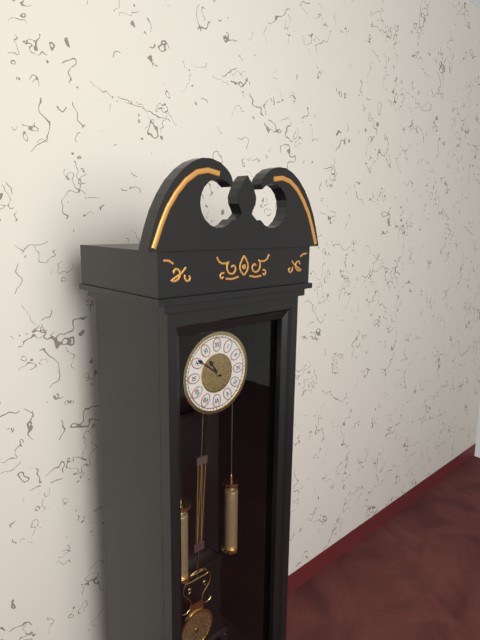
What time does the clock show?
10:51
